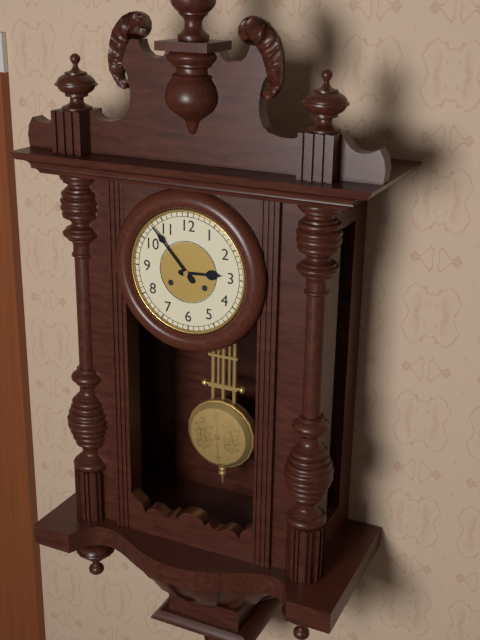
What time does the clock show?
2:53
